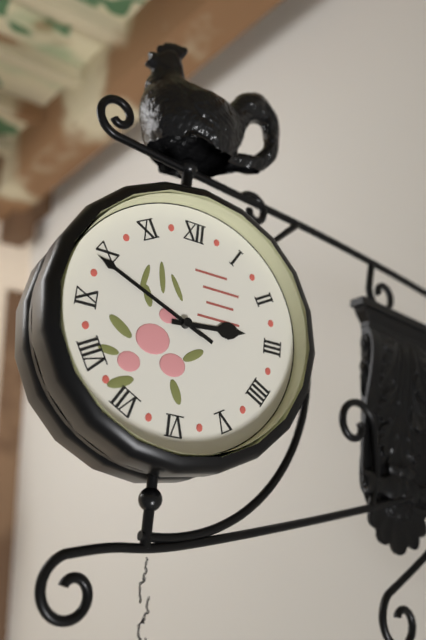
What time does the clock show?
2:49:49
